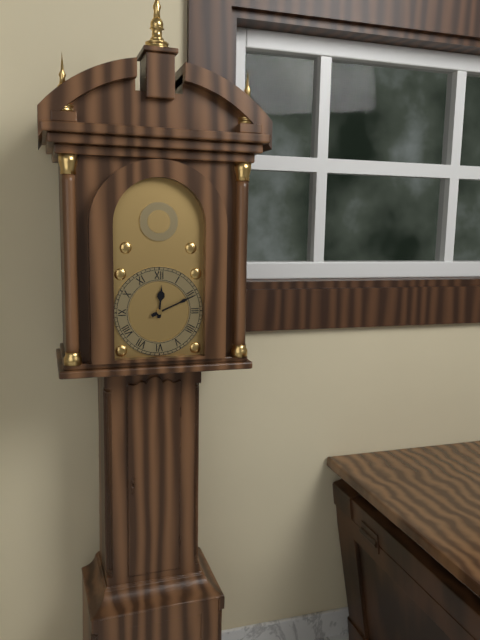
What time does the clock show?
12:11
